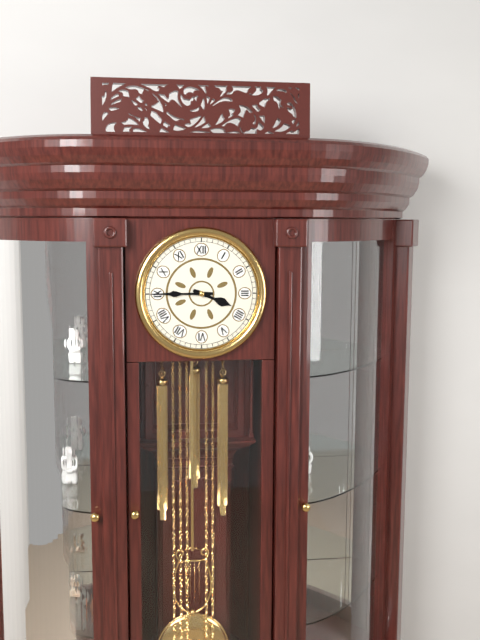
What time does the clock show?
3:45
